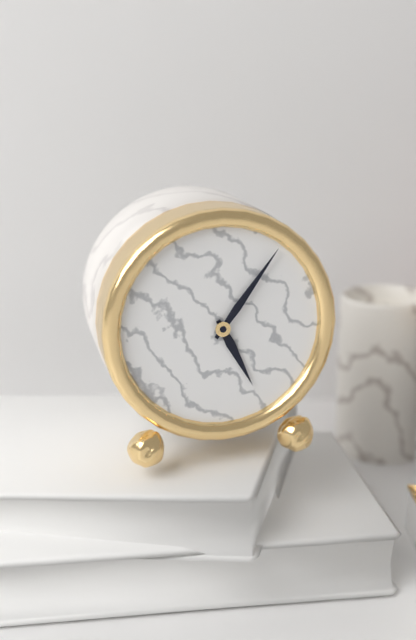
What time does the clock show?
5:06
